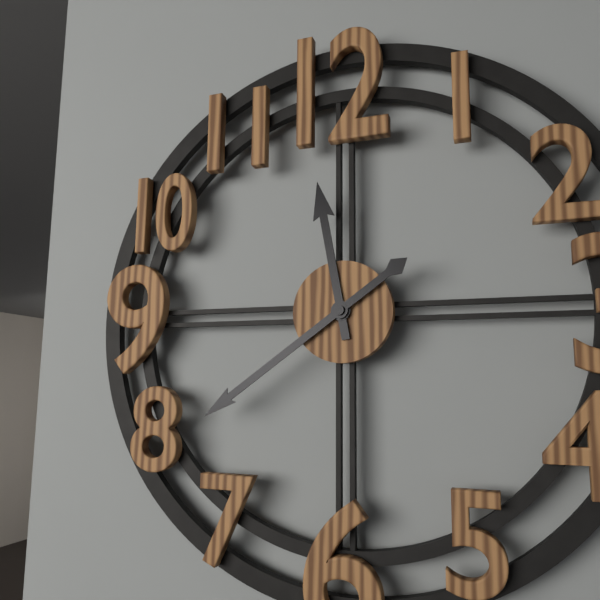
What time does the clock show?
11:39
